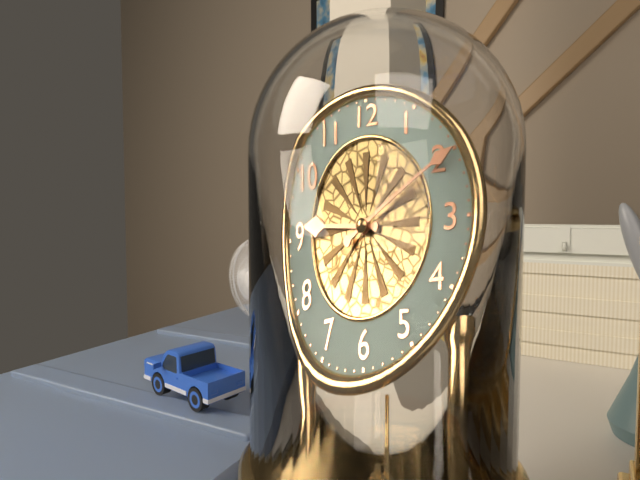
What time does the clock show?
9:10
